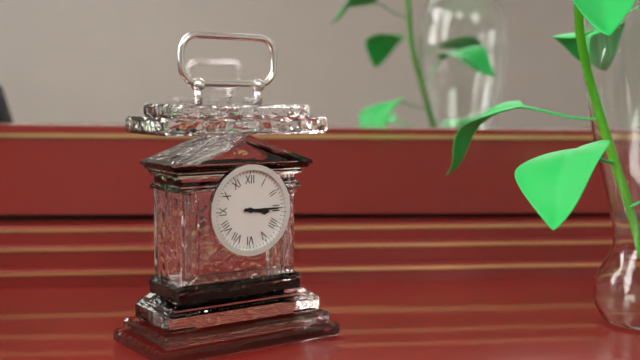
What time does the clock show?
3:15
